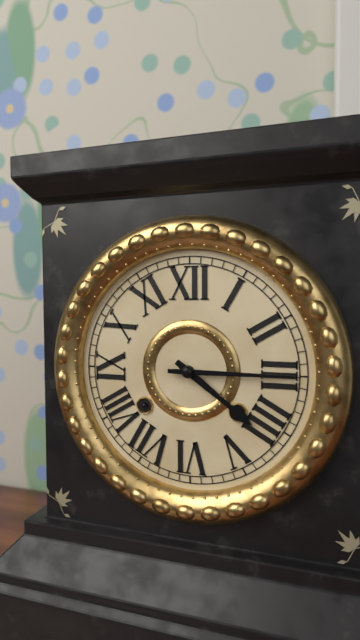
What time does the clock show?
4:15
